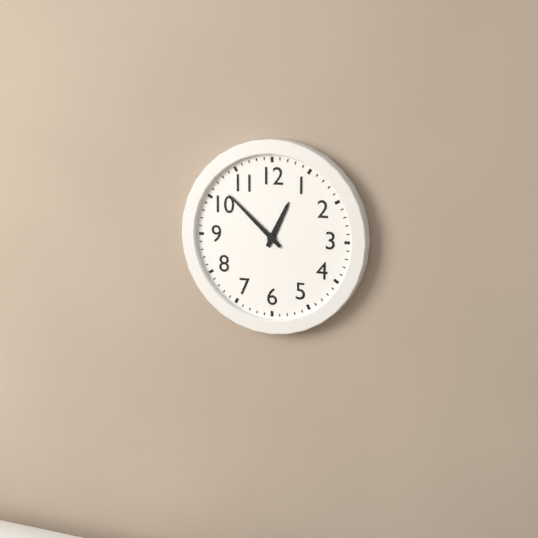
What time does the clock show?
12:52
